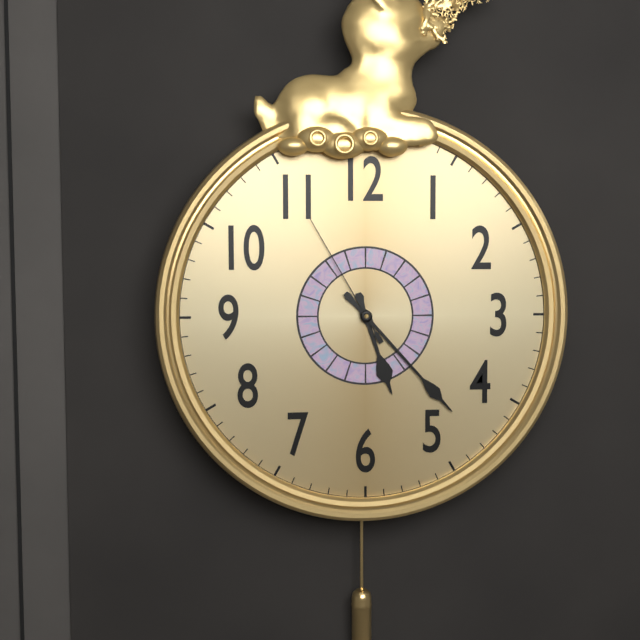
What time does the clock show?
5:23:55
